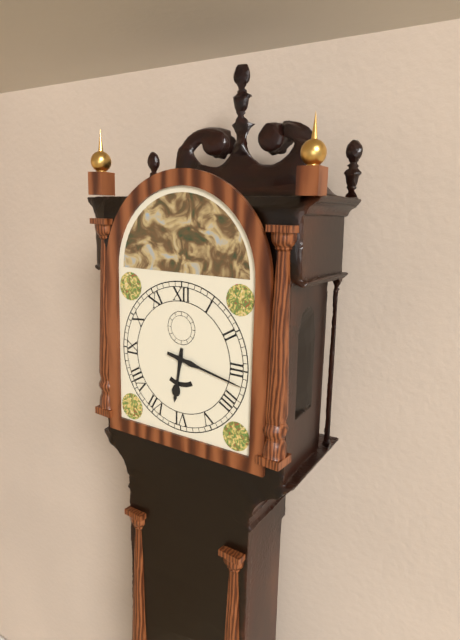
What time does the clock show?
6:17
